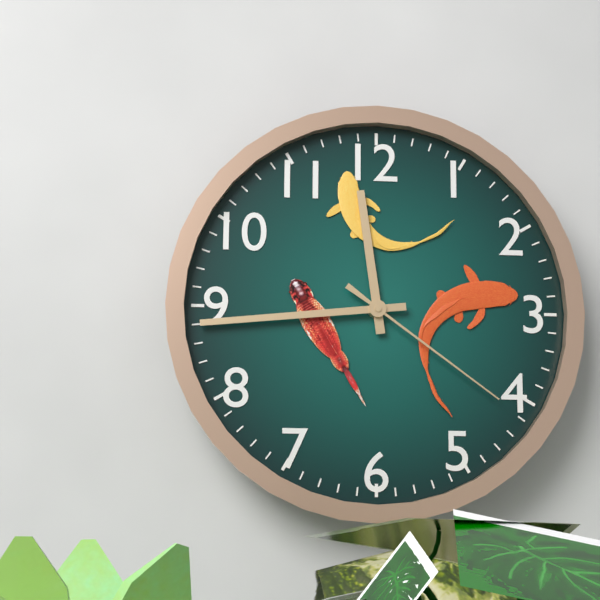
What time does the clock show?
11:44:21
